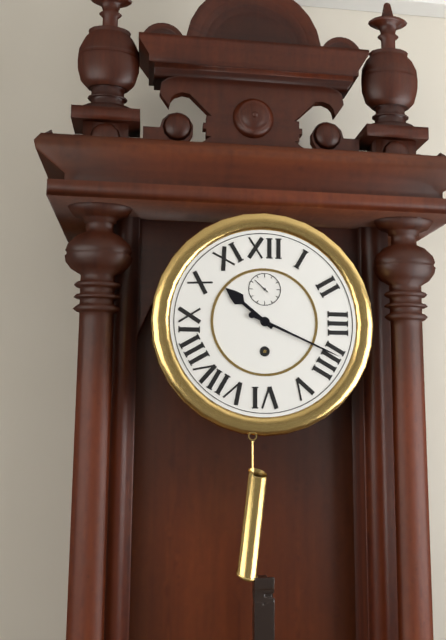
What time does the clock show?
10:19
